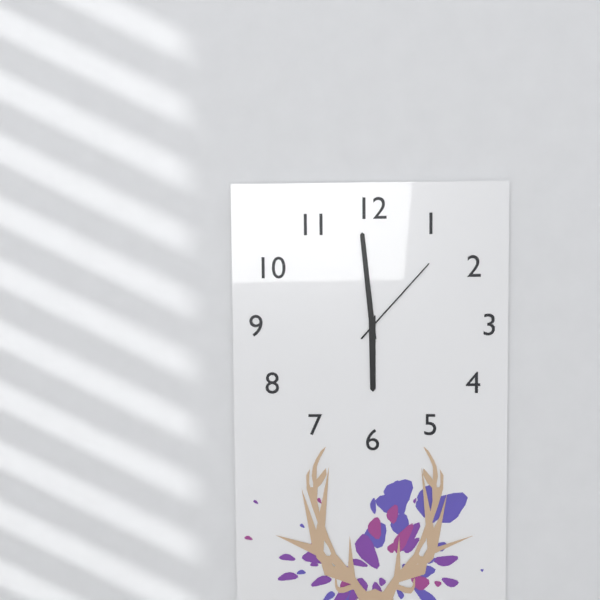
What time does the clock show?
5:59:07
